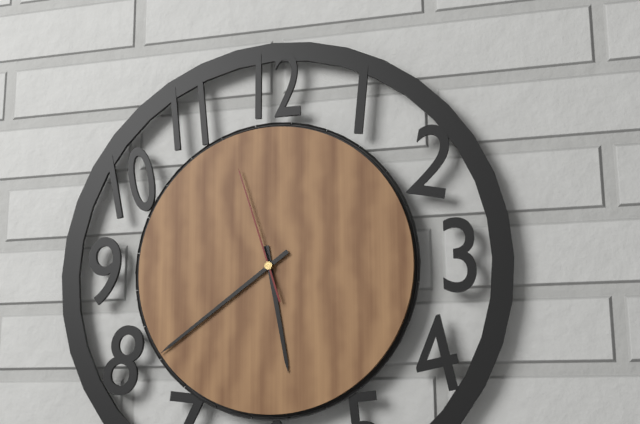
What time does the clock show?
5:39:57
